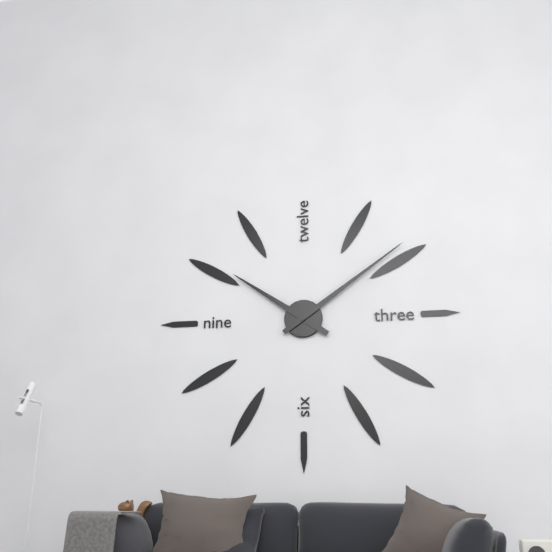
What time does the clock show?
10:09
